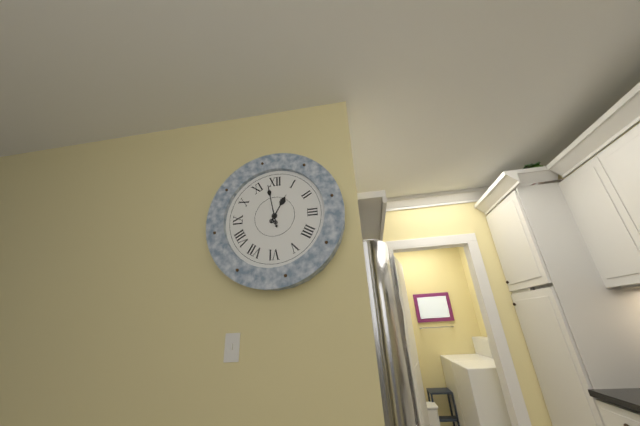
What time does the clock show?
12:58
